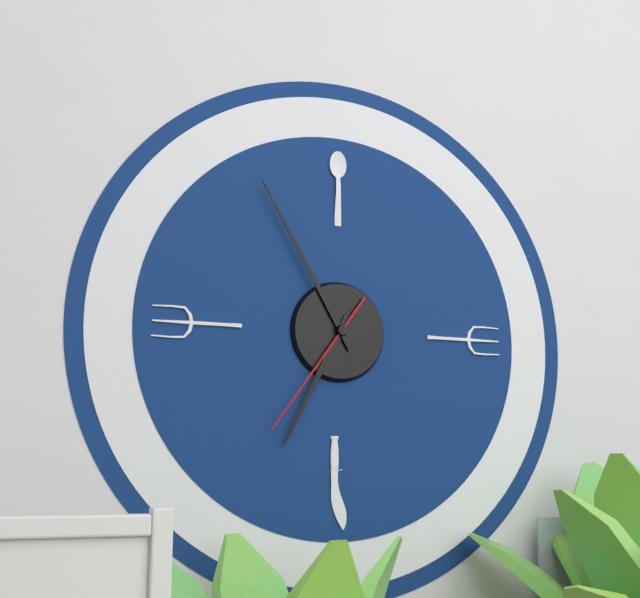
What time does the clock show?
6:55:36
